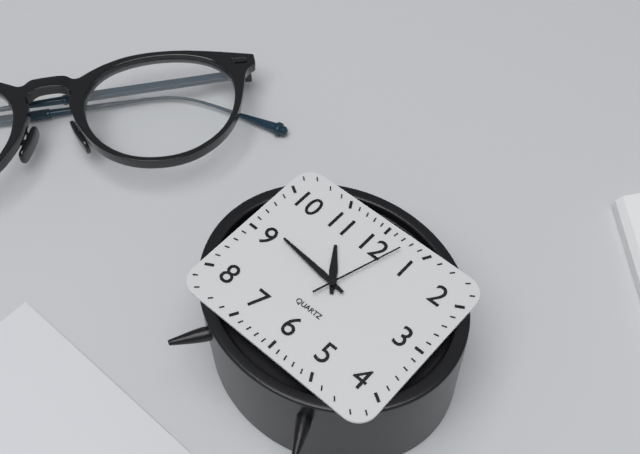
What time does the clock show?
10:46:03
